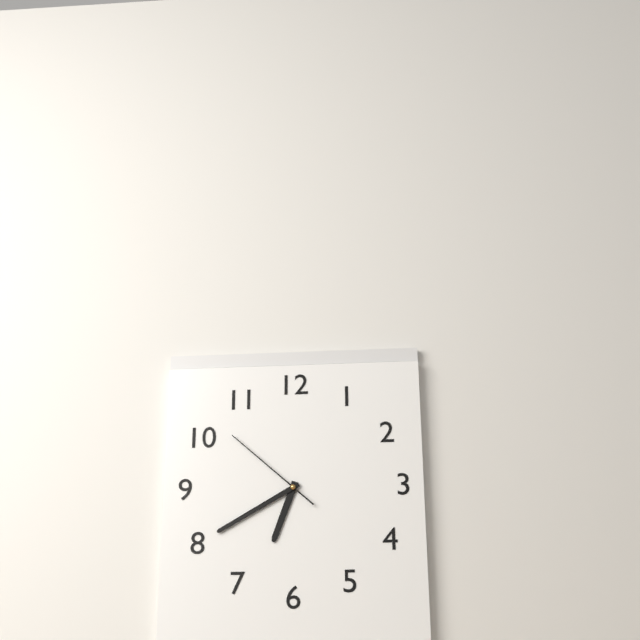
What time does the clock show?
6:40:52
